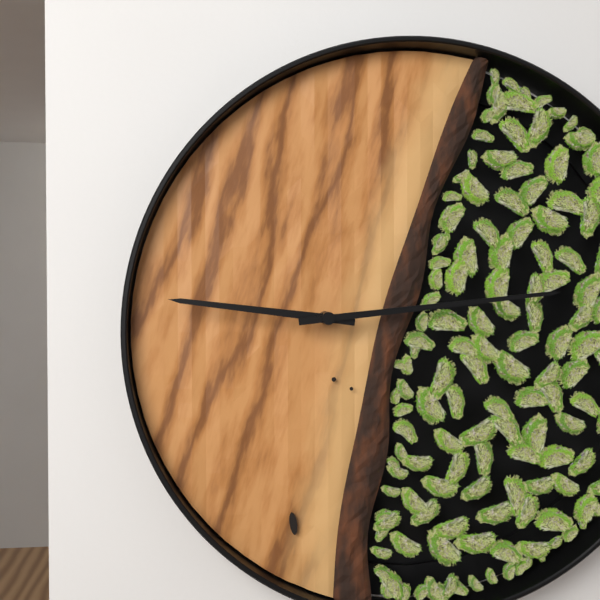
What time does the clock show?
9:14
